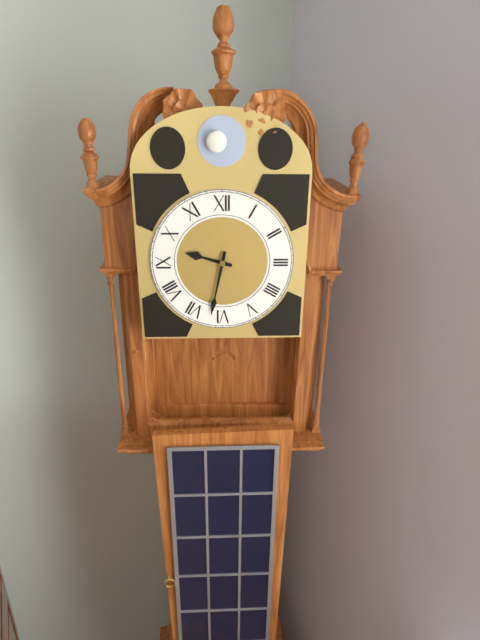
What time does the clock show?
9:32
